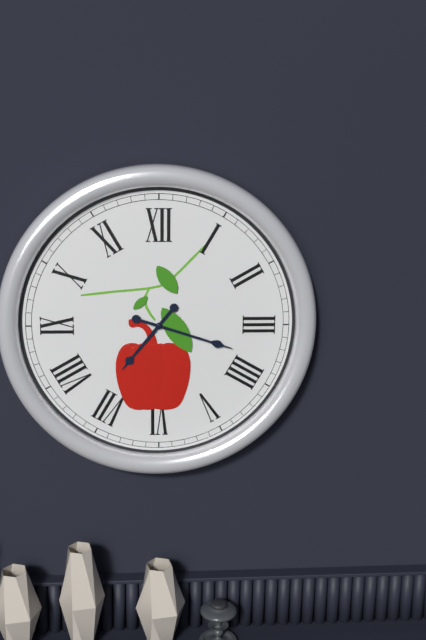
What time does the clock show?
7:18
